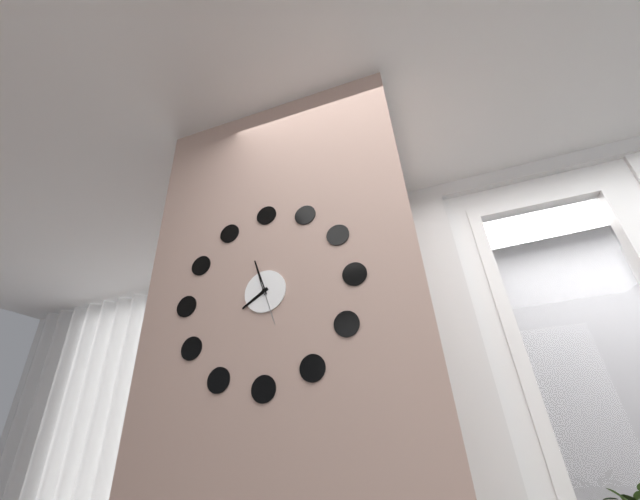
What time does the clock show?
7:57
